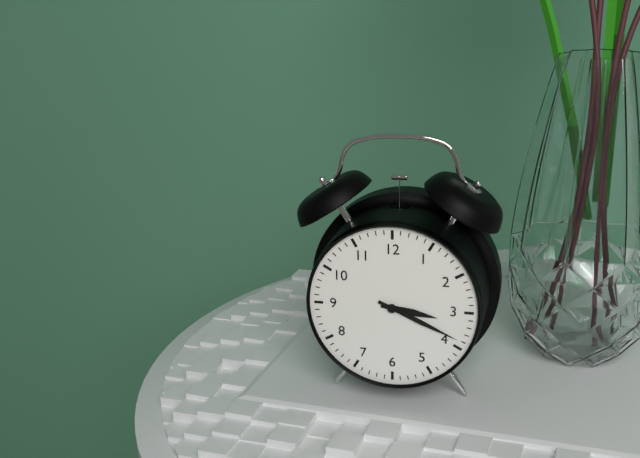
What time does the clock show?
3:19
